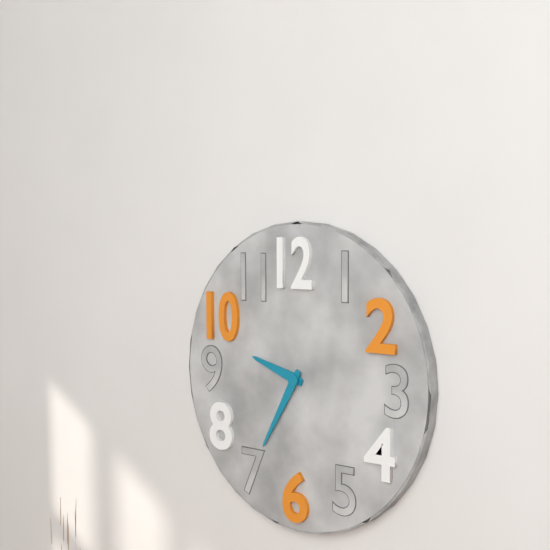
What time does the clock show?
9:35
